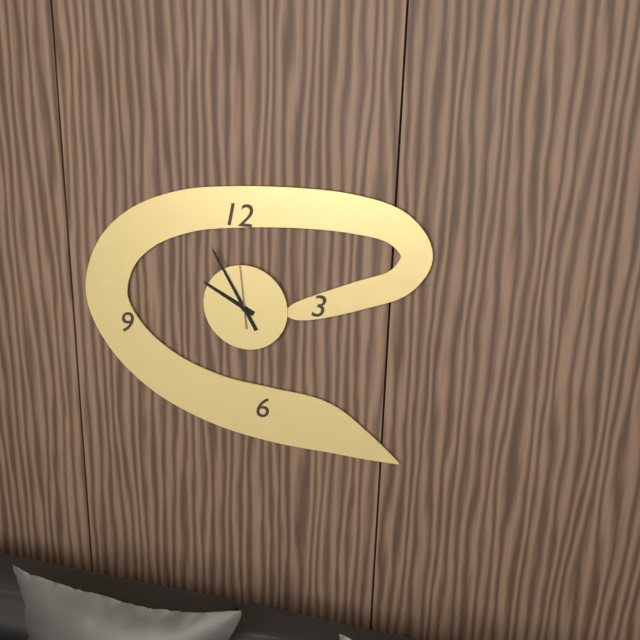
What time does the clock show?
9:55:59
